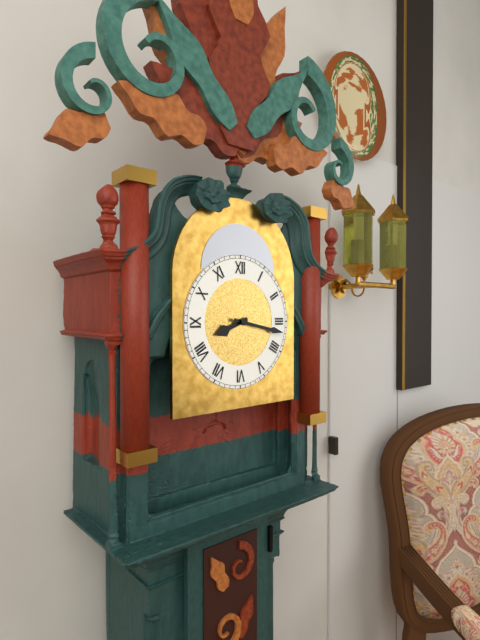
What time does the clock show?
8:17
